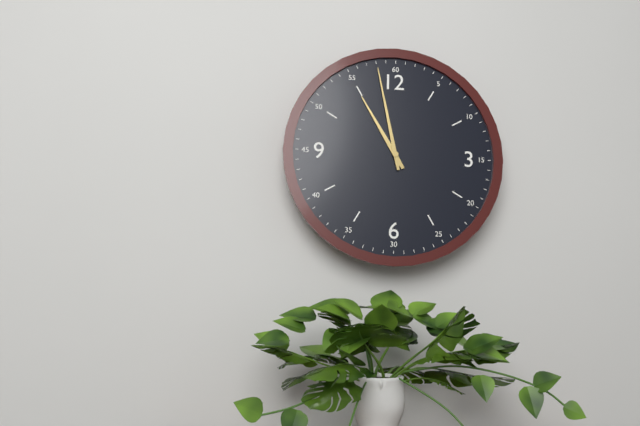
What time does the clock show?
10:58
